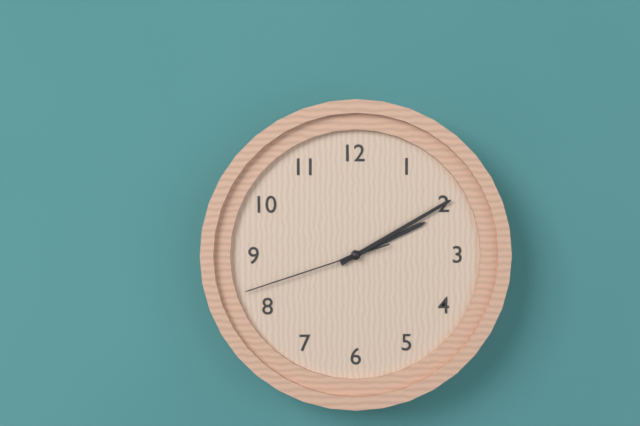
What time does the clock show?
2:10:42
